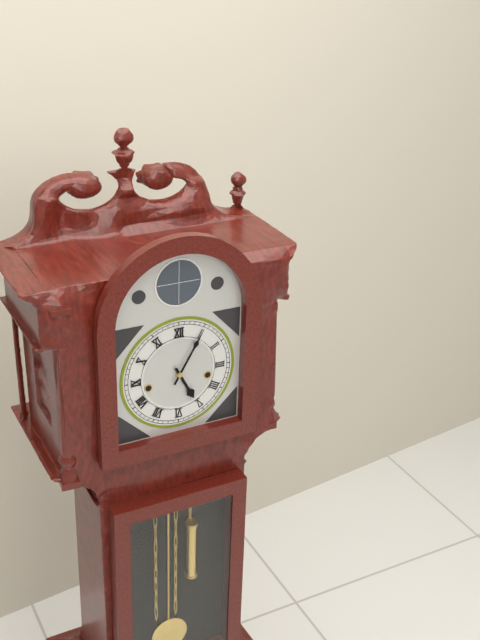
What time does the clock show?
5:05
